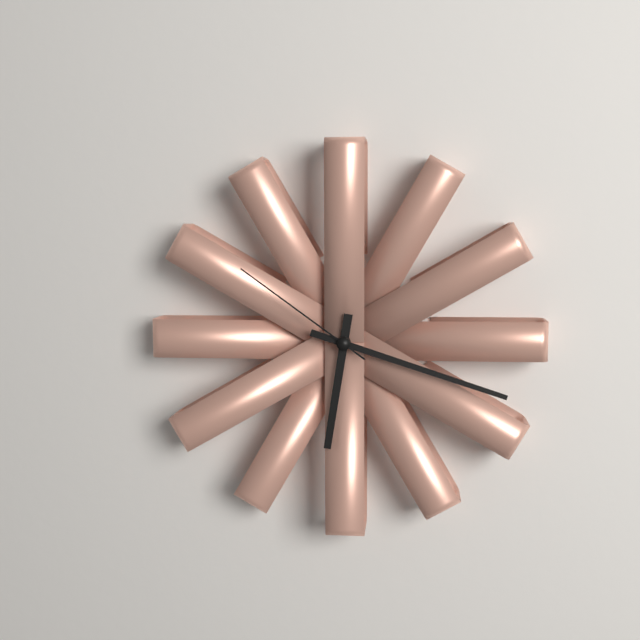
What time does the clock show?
6:18:51
